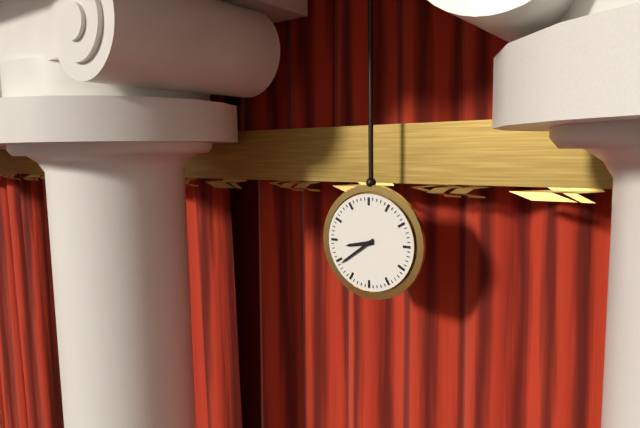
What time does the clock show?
8:39
